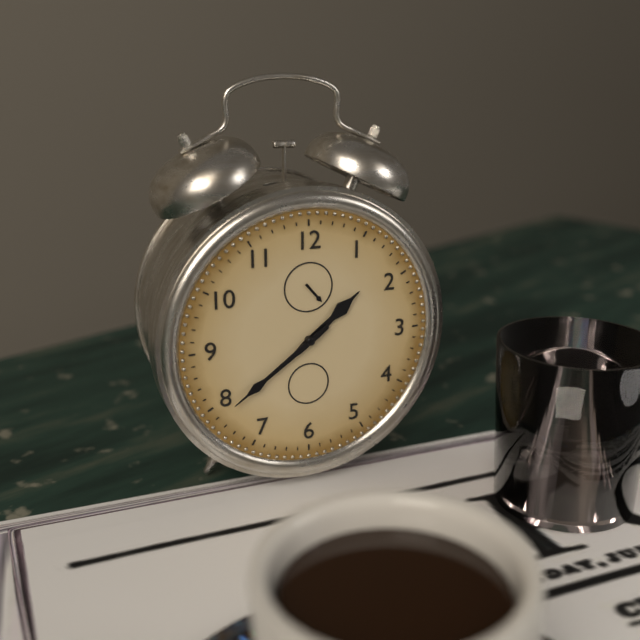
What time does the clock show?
1:39
